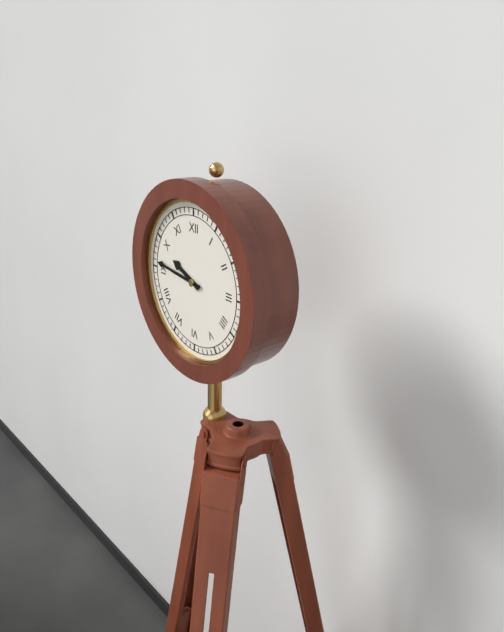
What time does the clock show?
9:46
